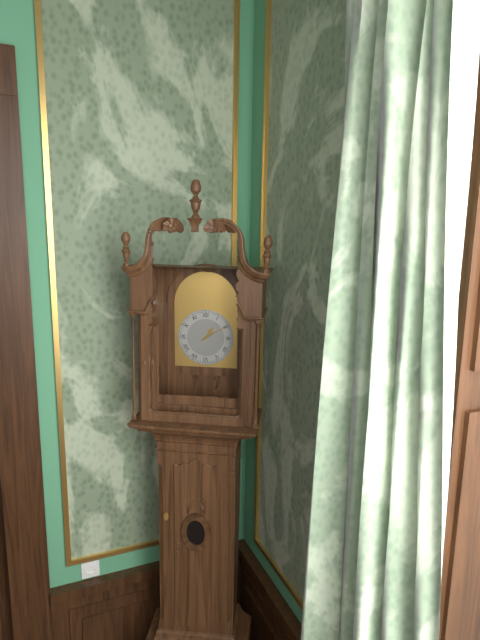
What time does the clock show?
1:10
